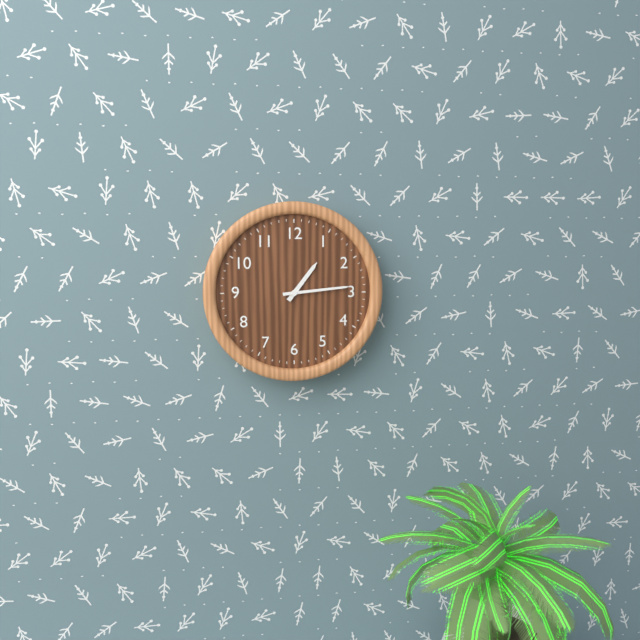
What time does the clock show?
1:14
